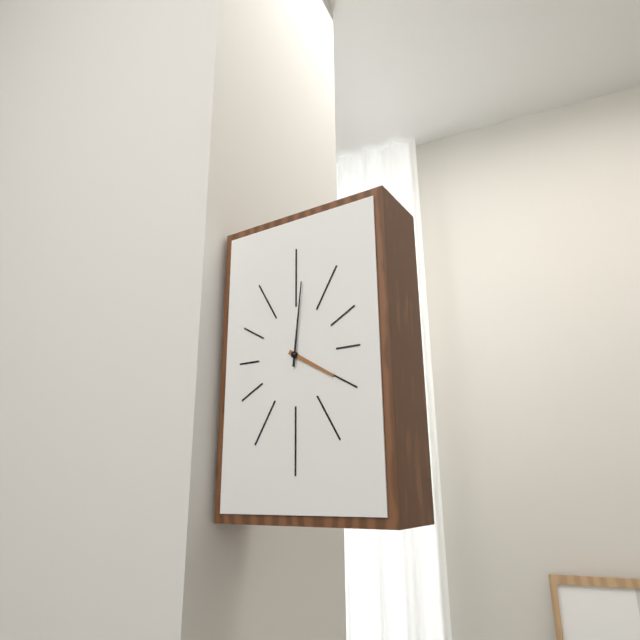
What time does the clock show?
4:01
